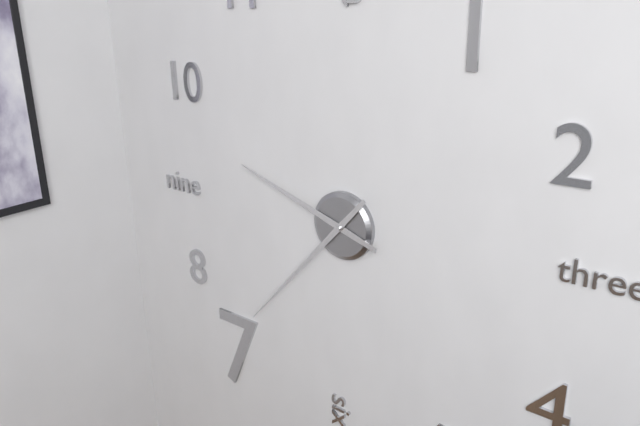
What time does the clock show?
9:37
